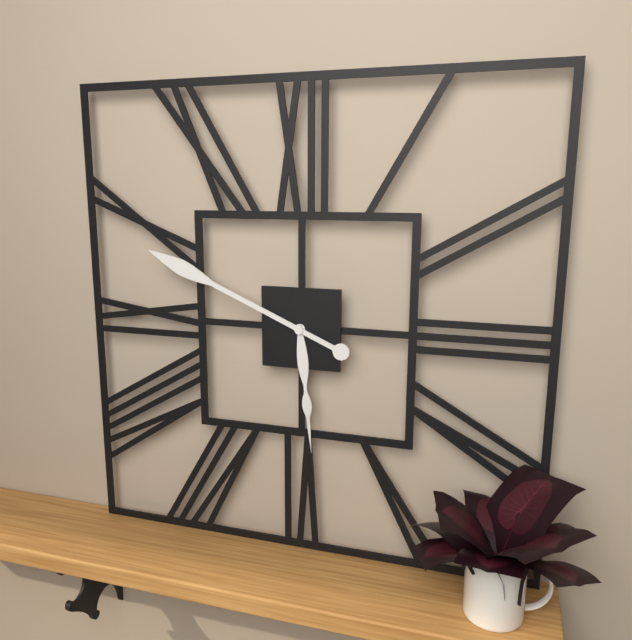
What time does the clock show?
5:49
